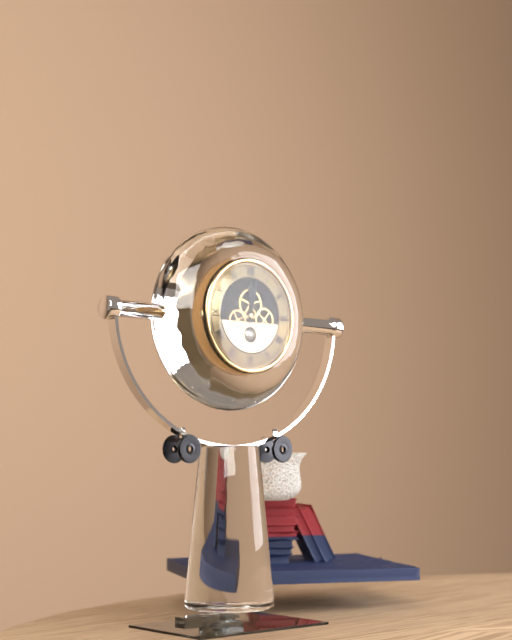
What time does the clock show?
12:02
